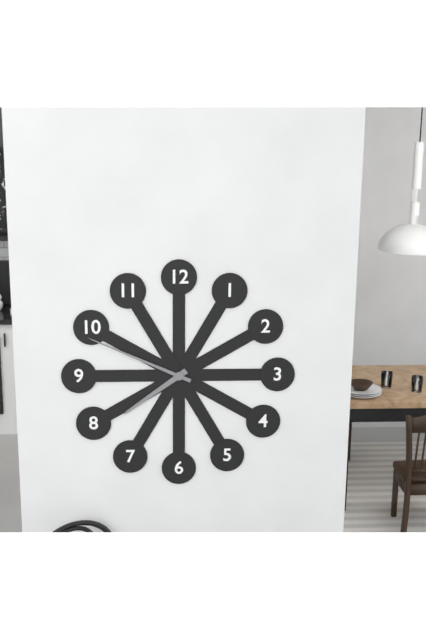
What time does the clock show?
7:49
